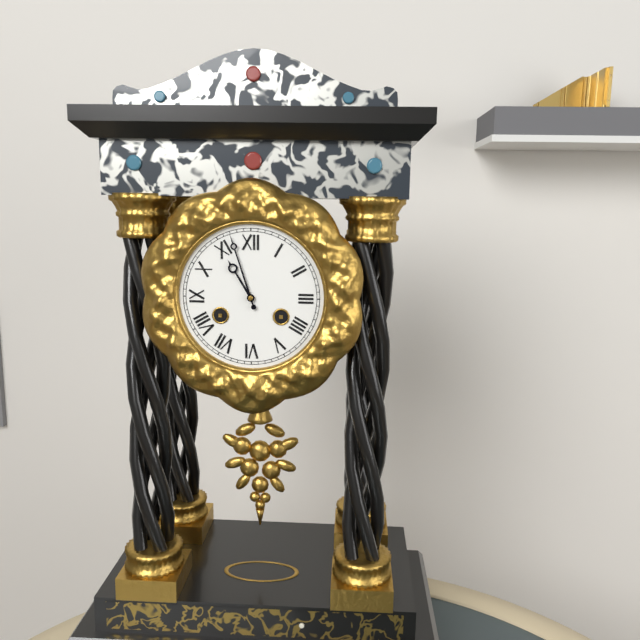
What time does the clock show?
10:57
